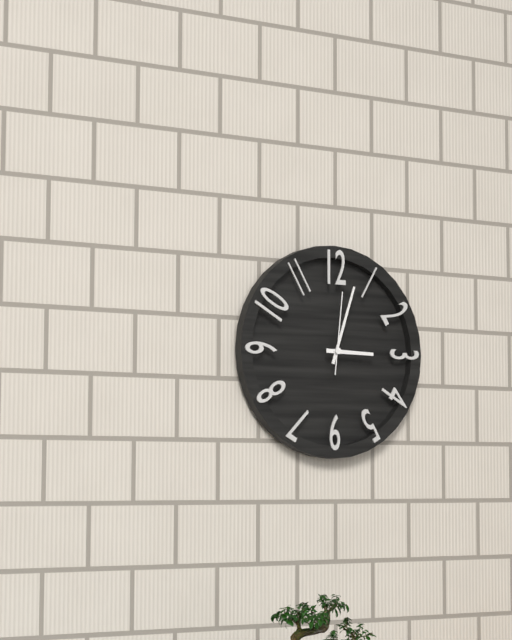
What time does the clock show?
3:03:01
